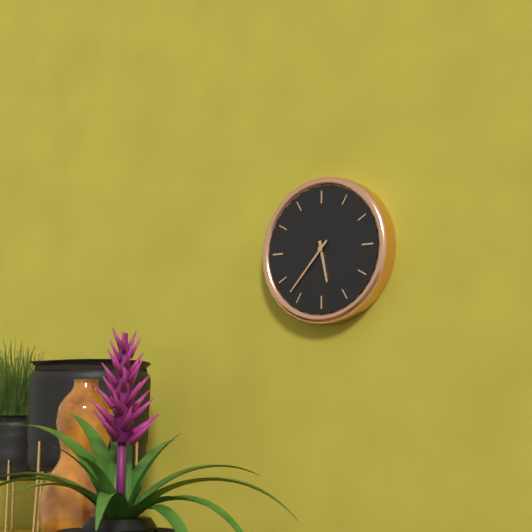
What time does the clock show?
5:37
